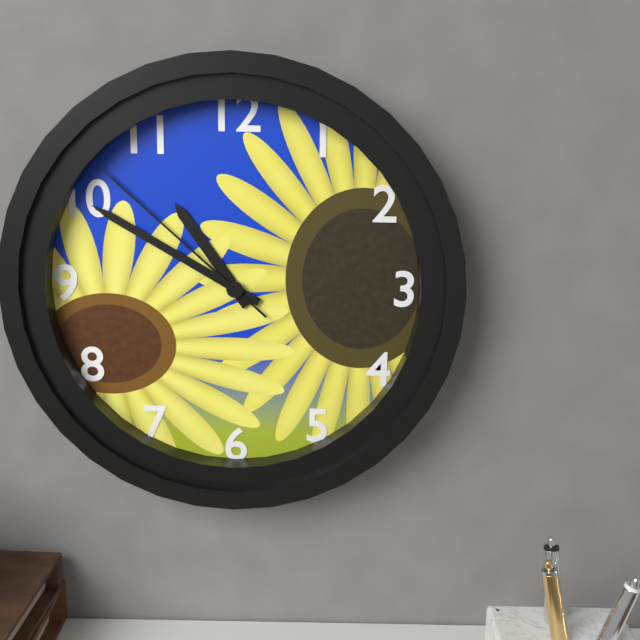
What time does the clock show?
10:50:52
